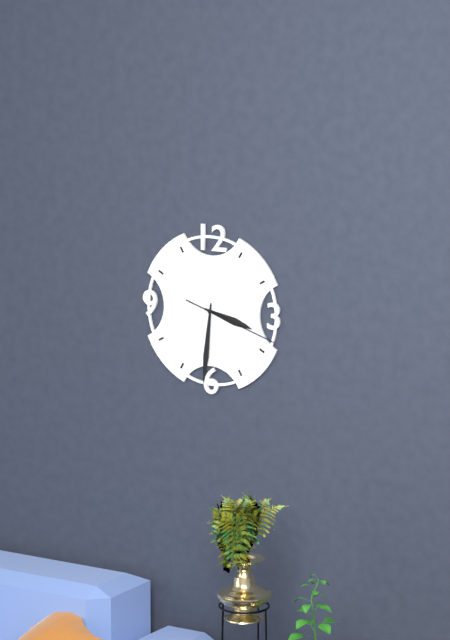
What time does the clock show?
3:31:18
